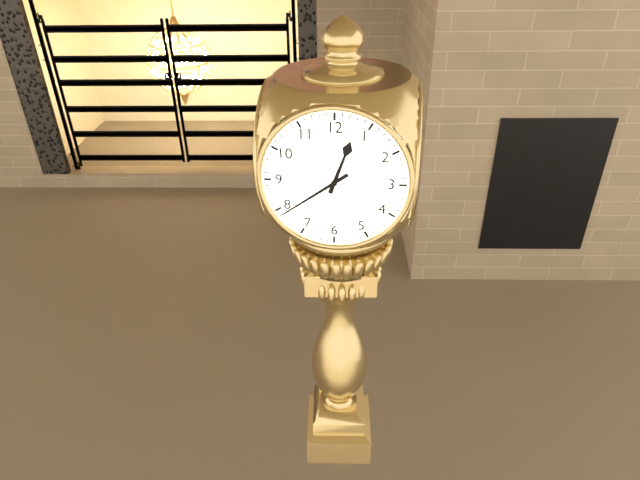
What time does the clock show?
12:39
